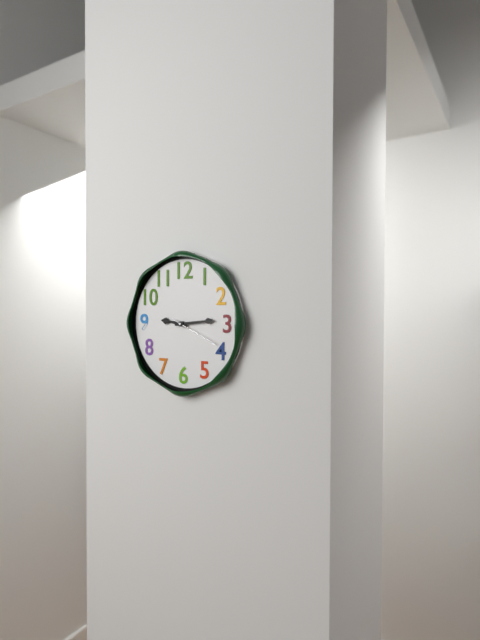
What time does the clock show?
9:14
